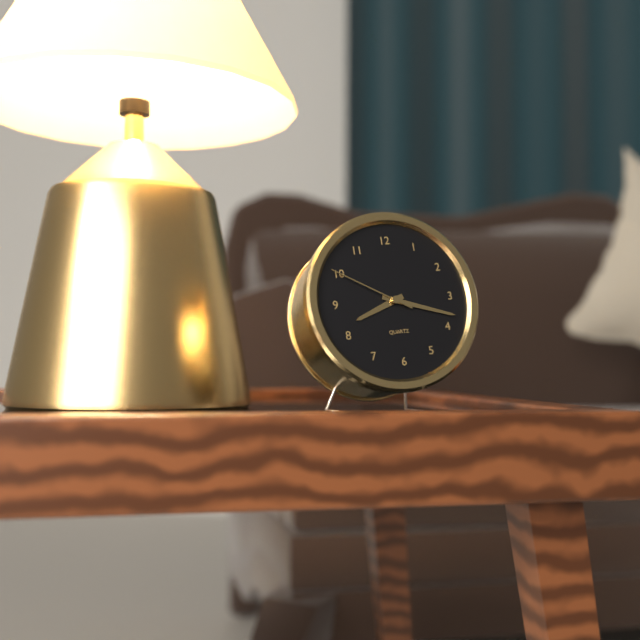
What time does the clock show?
8:18:50
